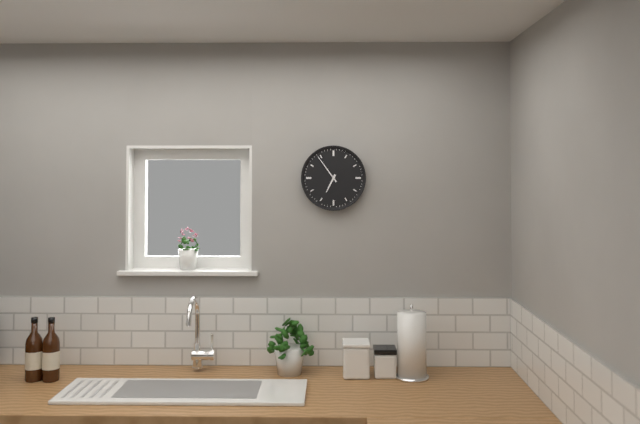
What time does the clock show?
6:54
